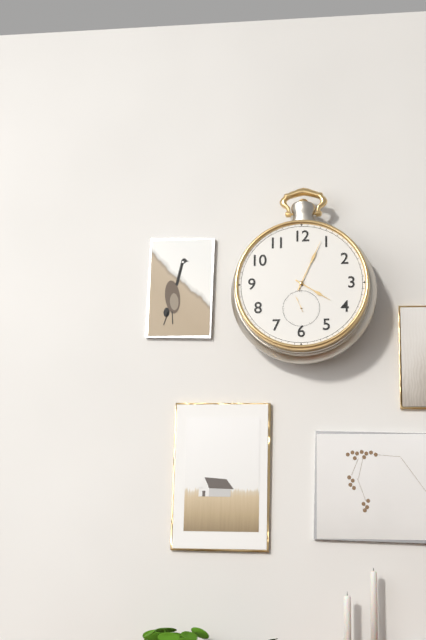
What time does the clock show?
4:04
